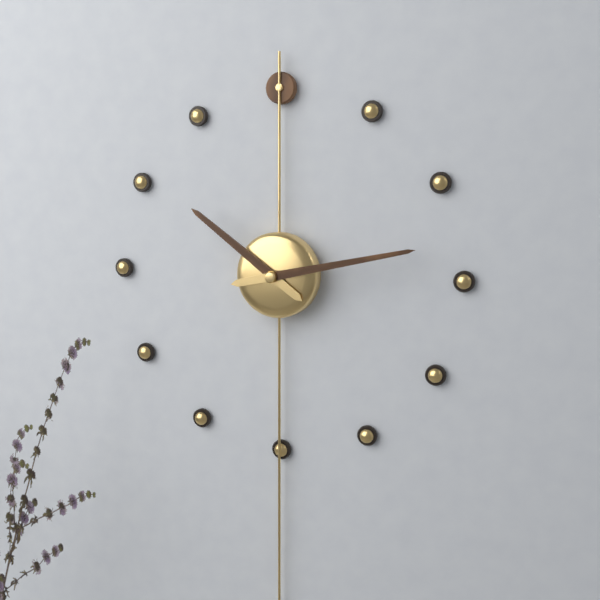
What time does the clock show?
10:13
